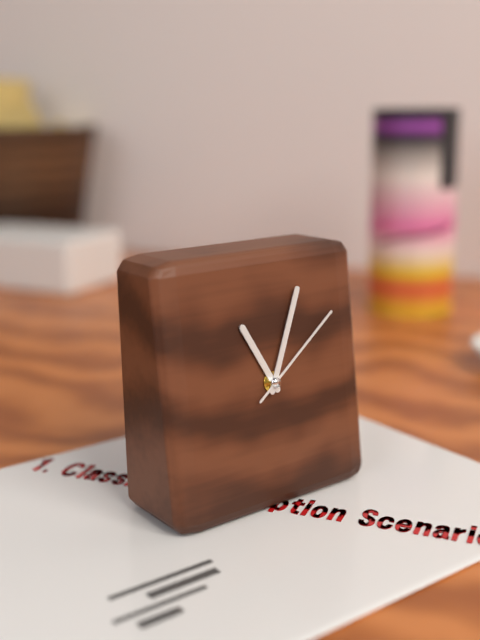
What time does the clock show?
11:04:09
